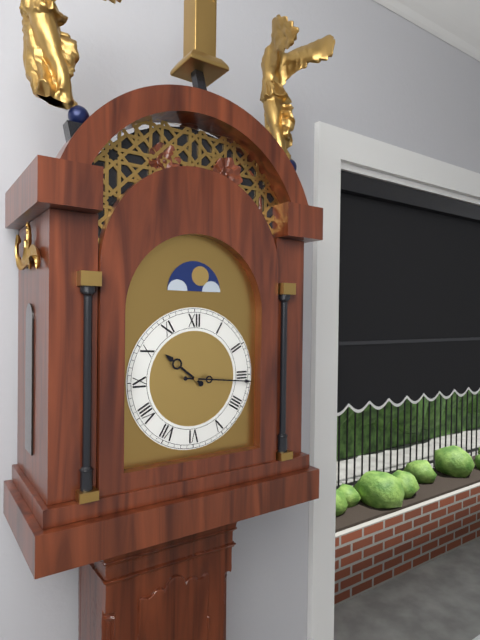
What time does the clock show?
10:16
